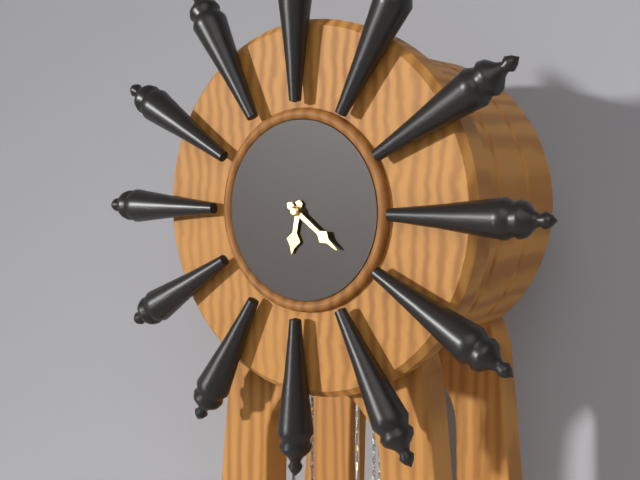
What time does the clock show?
6:21
